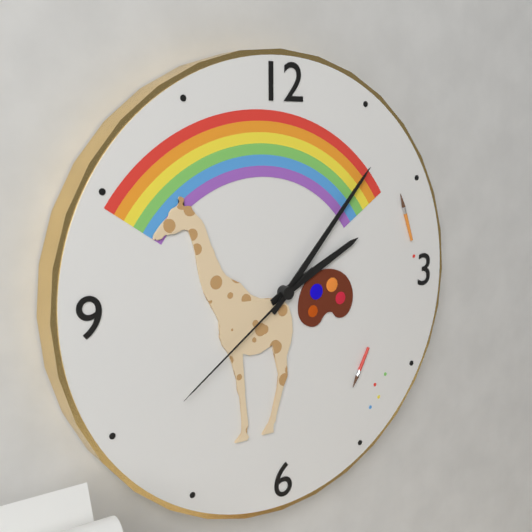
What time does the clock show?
2:07:39
